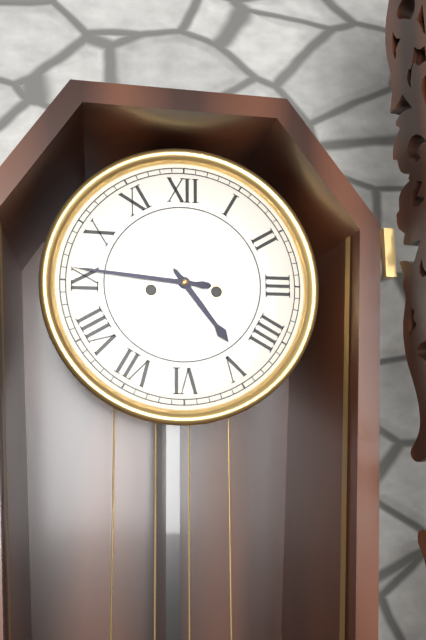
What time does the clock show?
4:46
